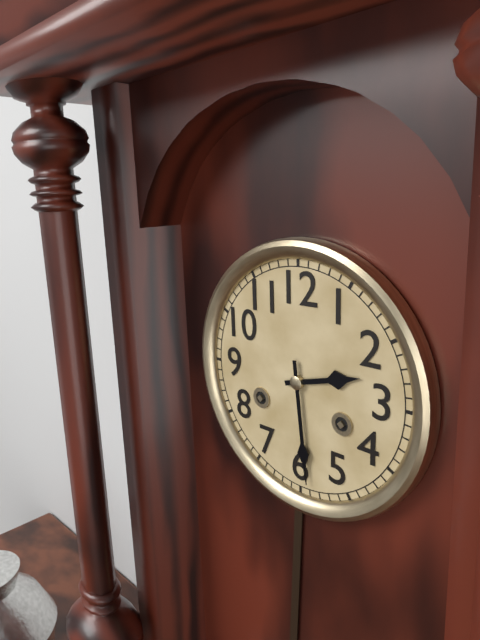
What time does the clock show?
2:29
